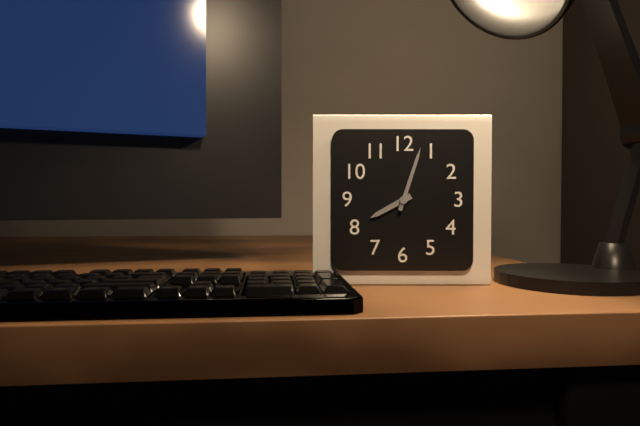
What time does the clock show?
8:03
